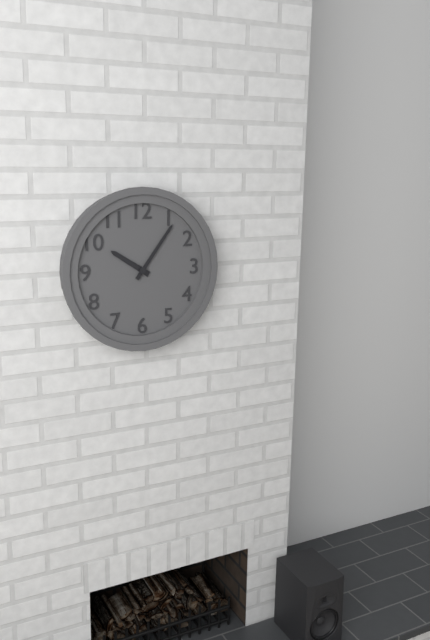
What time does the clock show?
10:06
